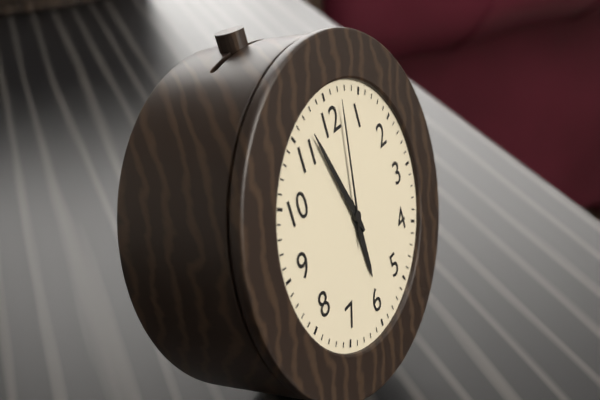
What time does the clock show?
5:57:02
